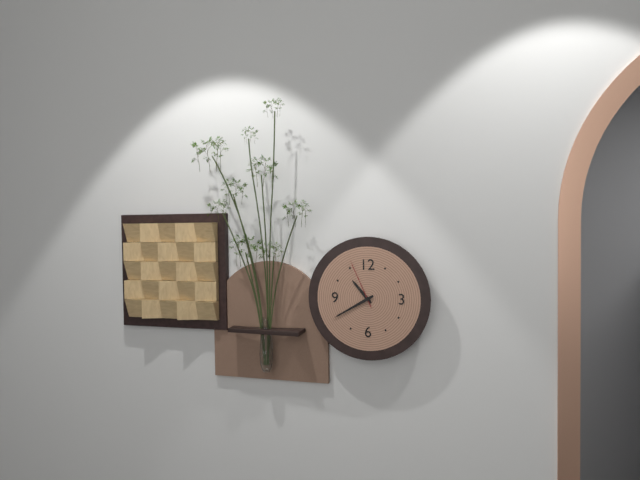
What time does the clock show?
10:40:56
